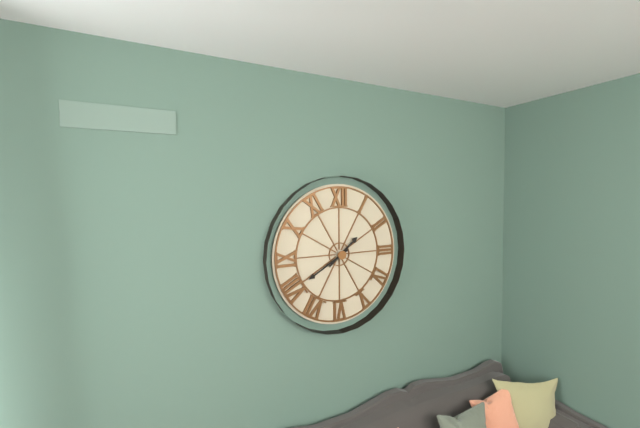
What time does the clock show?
1:40
